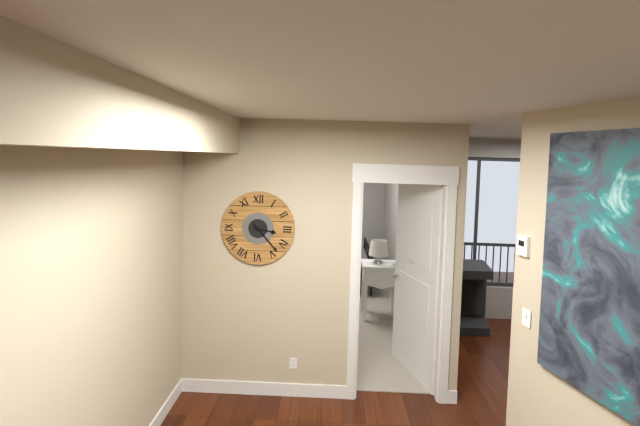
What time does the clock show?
3:23
